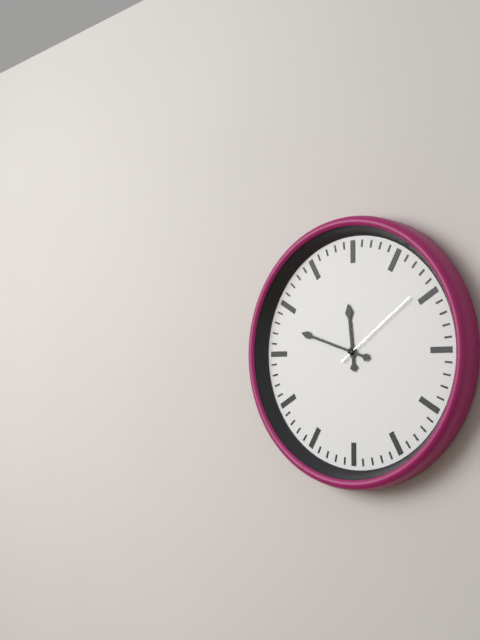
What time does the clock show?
11:48:09
